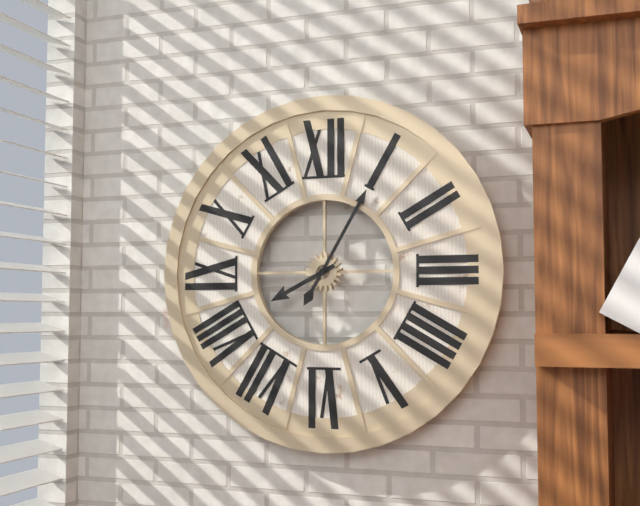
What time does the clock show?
8:05
